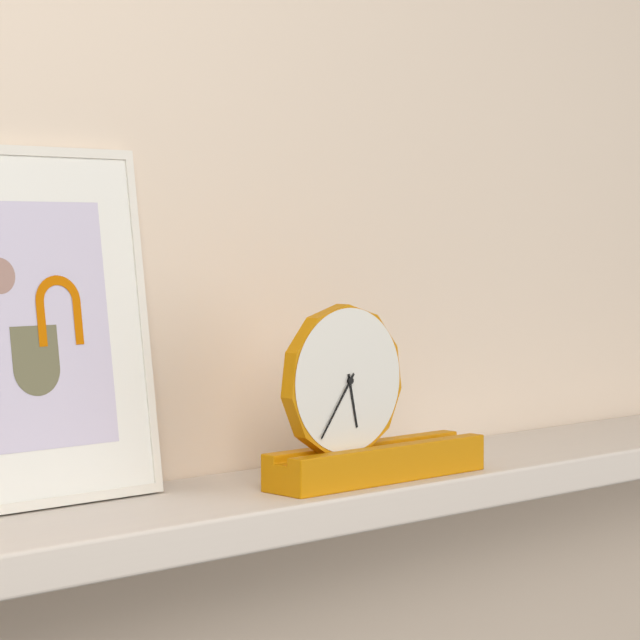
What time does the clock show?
5:36
